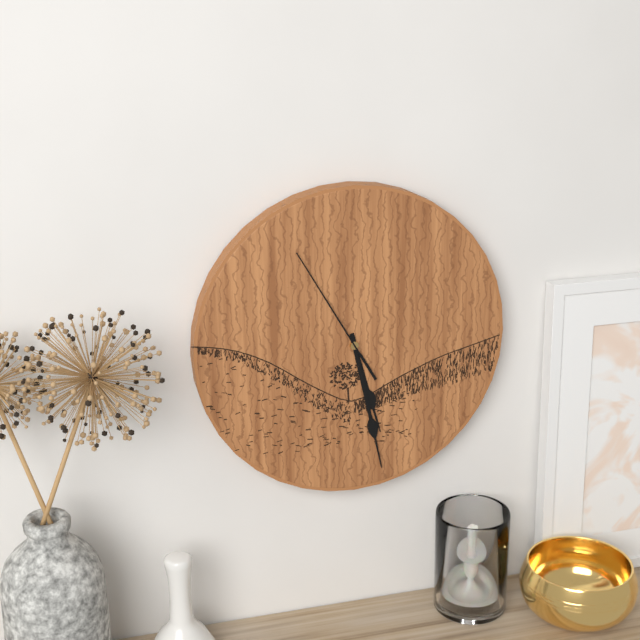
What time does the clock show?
5:28:55
